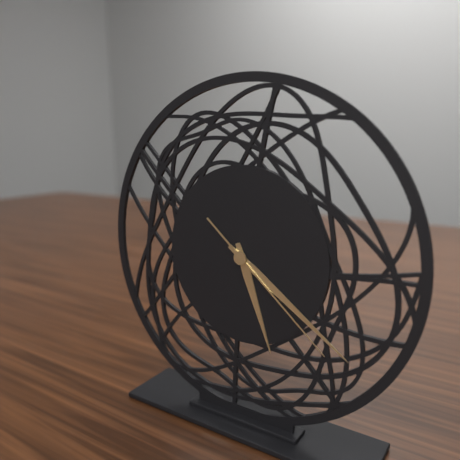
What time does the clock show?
5:21:22
